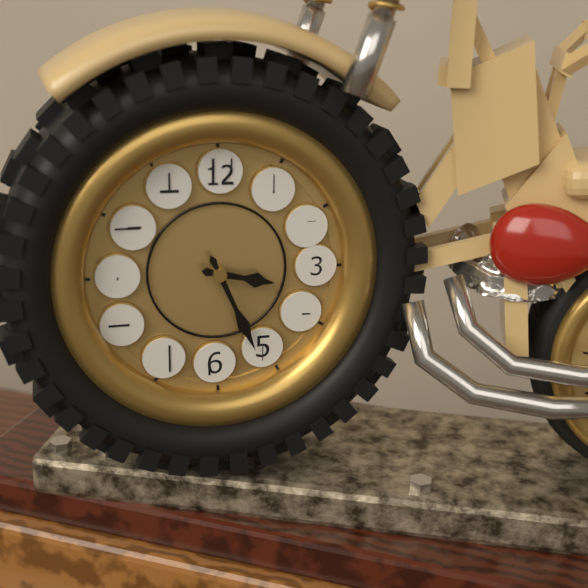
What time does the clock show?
3:26
